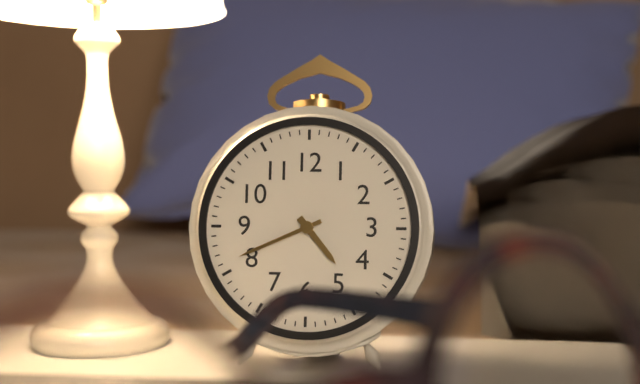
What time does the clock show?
4:41
